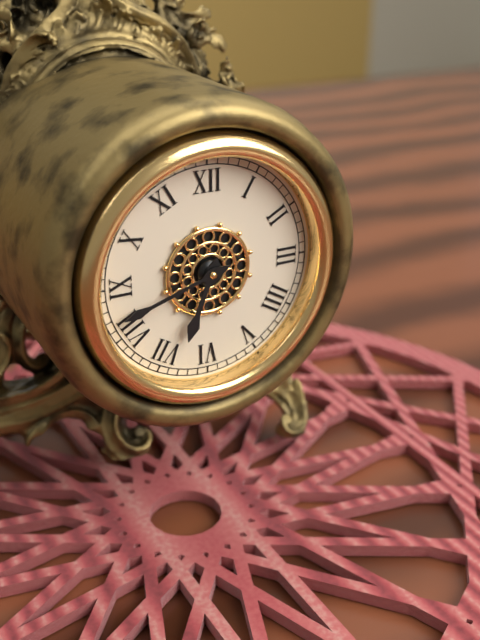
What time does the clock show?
6:42
